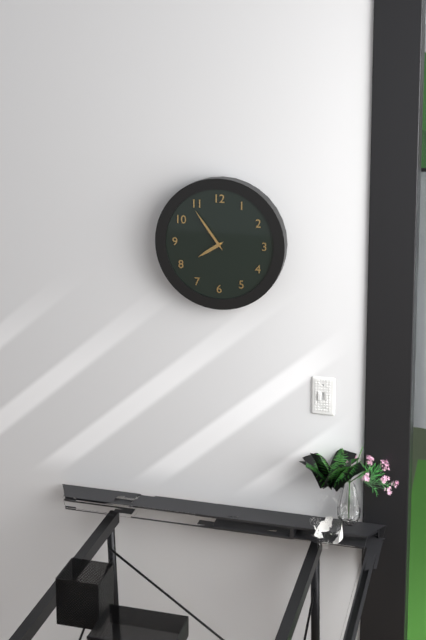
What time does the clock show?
7:54
